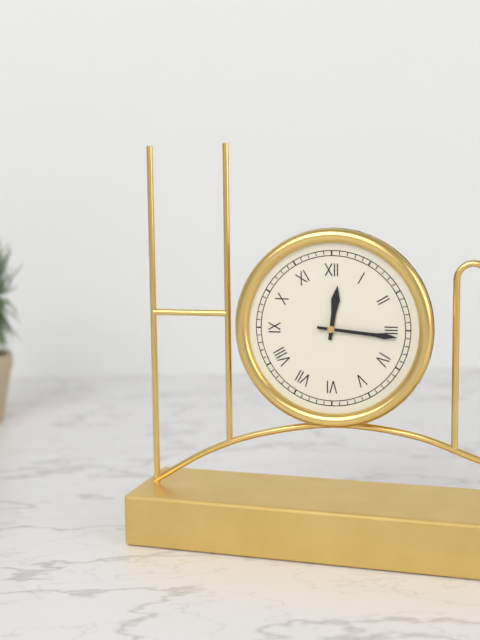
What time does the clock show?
12:16
